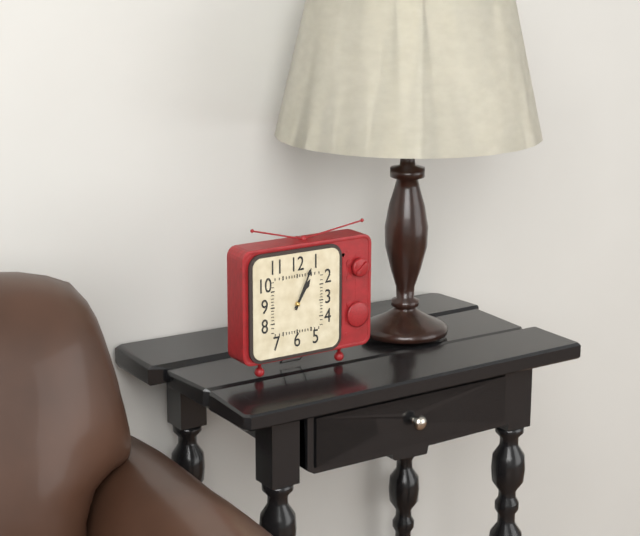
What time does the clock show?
1:04
